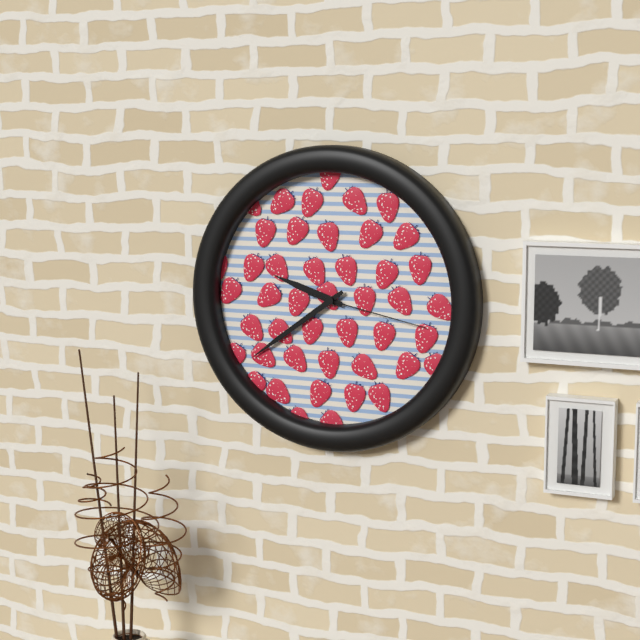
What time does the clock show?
9:39:17
